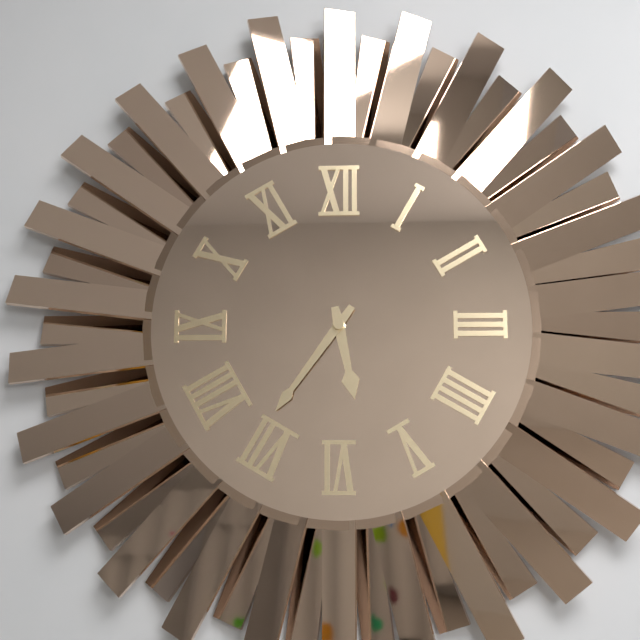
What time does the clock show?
5:36
